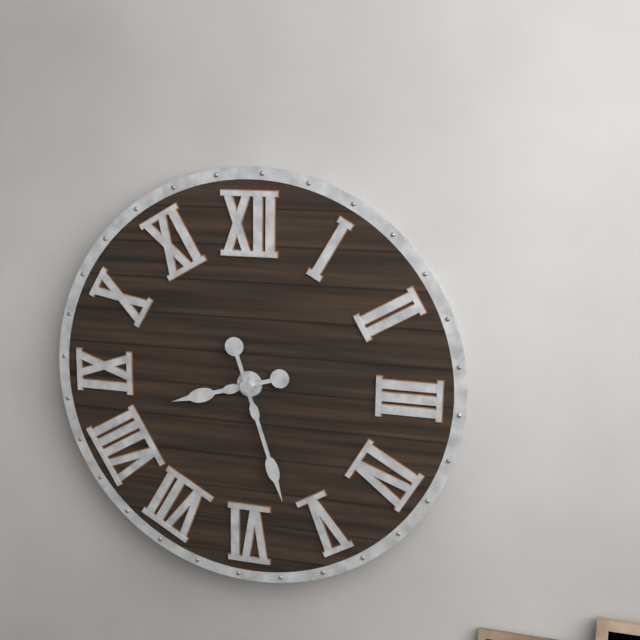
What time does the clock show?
8:27
